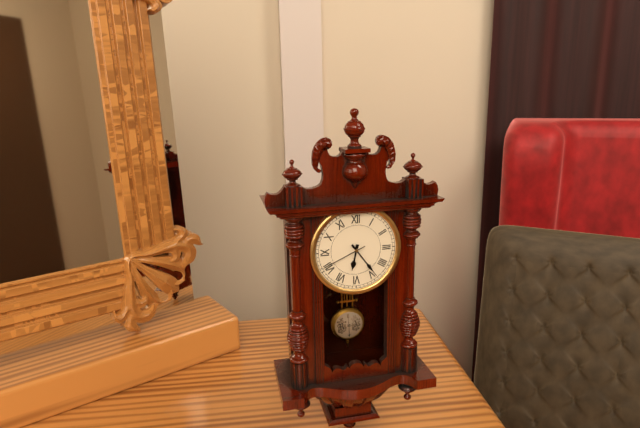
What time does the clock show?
6:24
